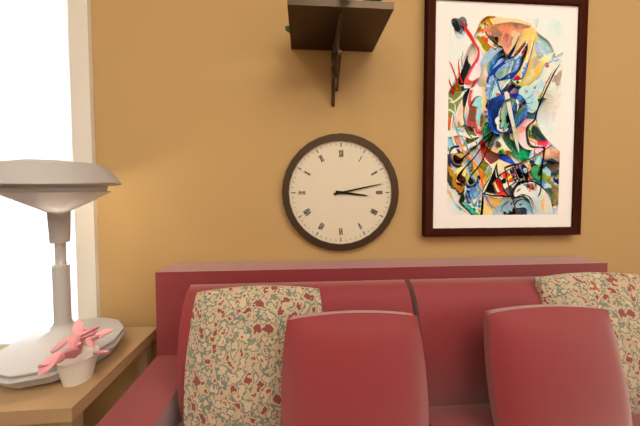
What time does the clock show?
3:13
